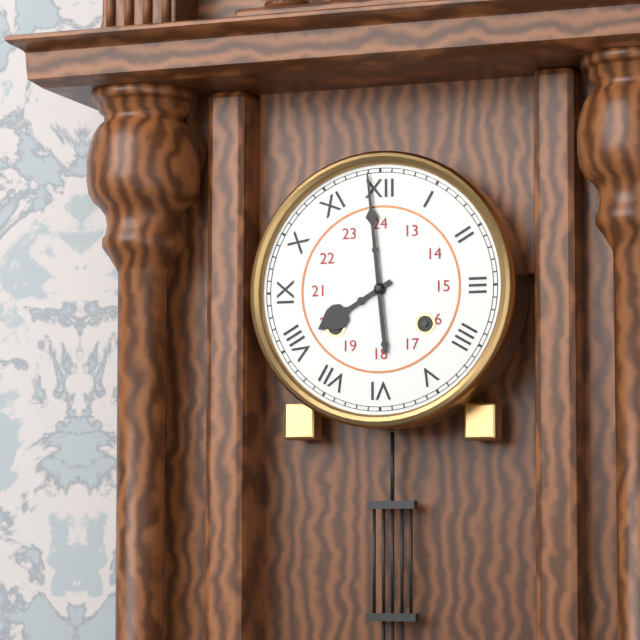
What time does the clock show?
7:59
